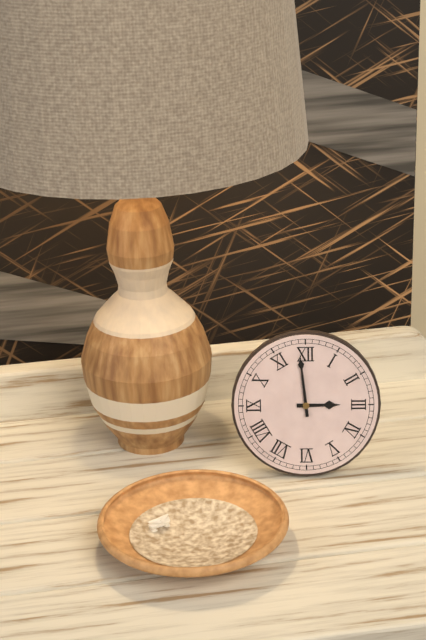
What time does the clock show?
2:59
